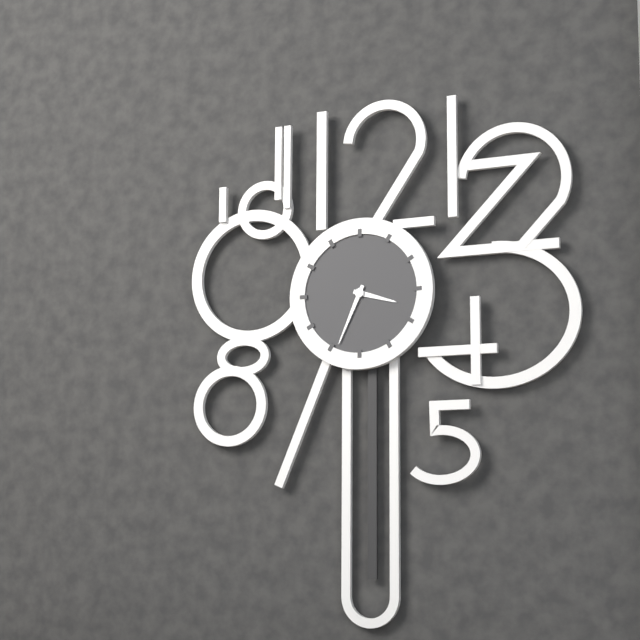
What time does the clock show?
3:34
